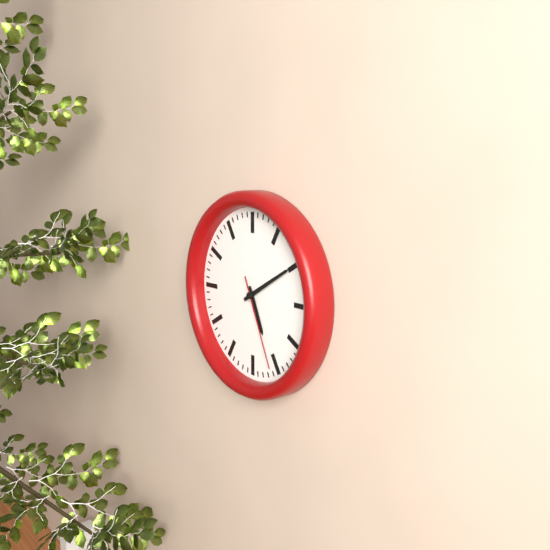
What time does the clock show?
5:10:26
